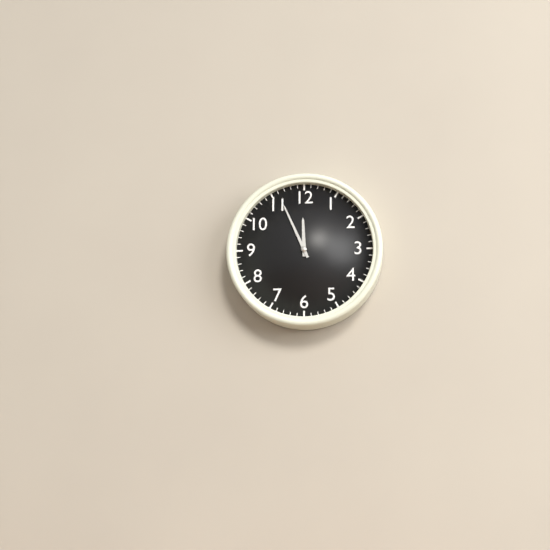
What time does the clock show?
11:56
